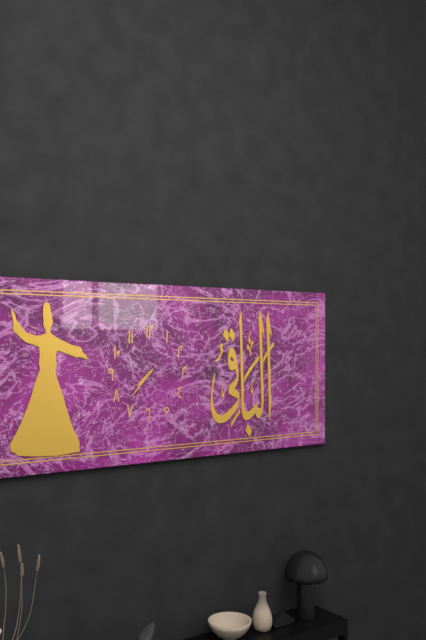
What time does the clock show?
7:37
